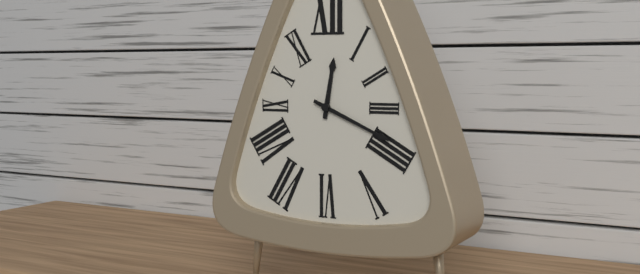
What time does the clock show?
12:19
